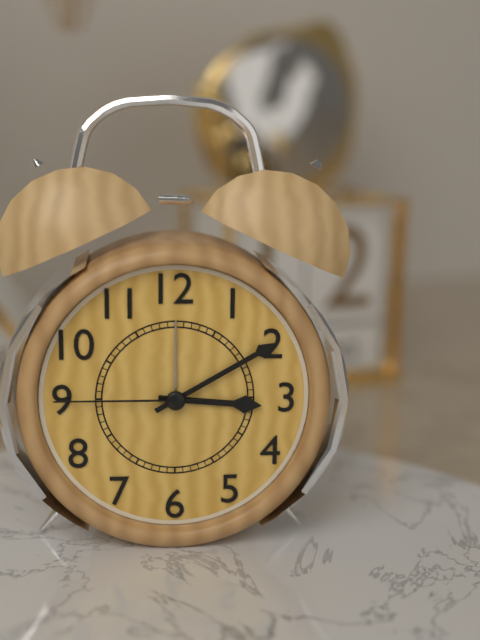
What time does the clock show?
3:10:45
